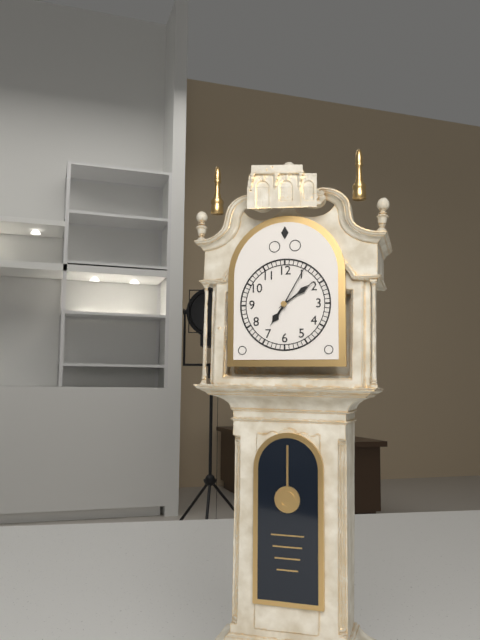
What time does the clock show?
7:09:05
